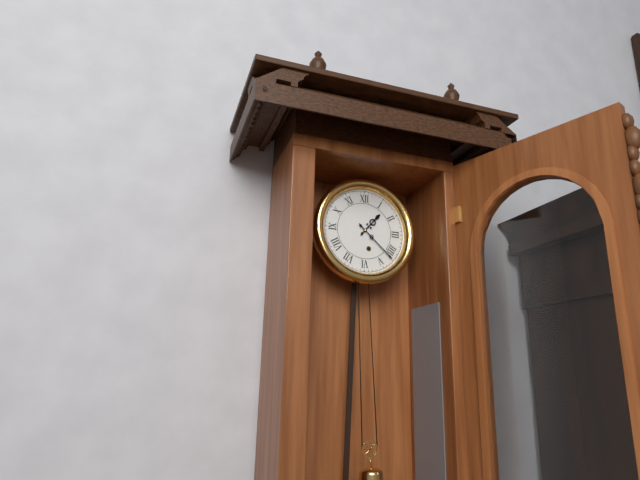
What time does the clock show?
1:22
